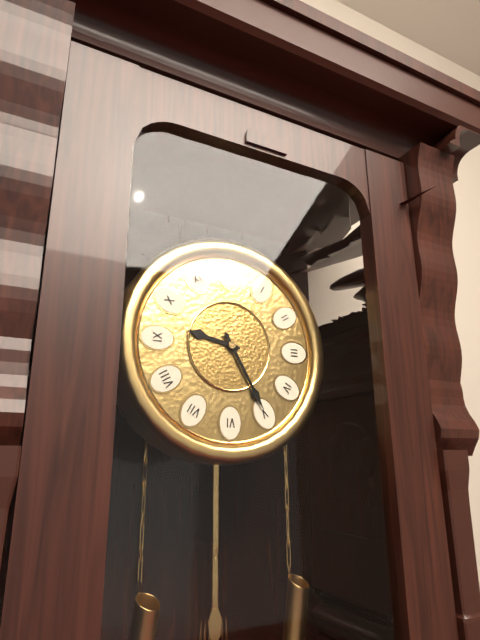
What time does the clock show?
9:25
